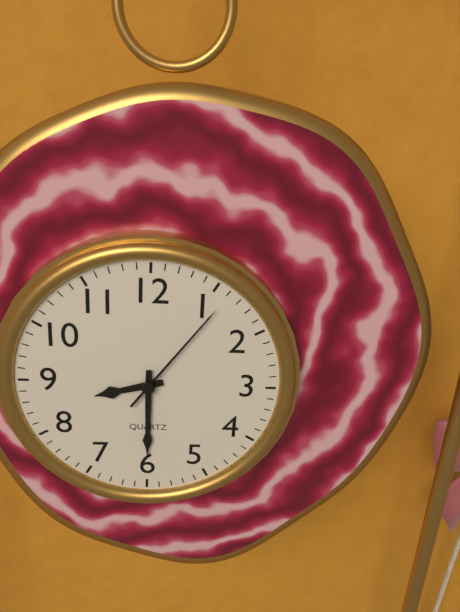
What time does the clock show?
8:30:06
